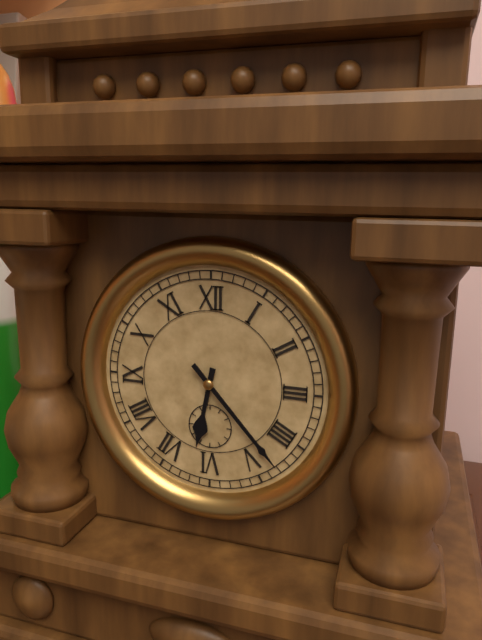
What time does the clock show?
6:23
